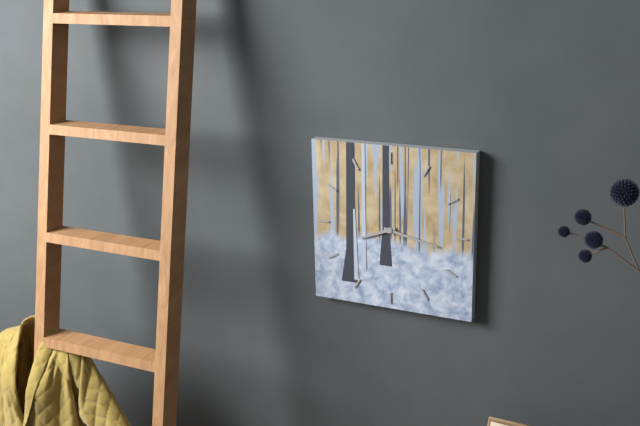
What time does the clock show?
8:17
